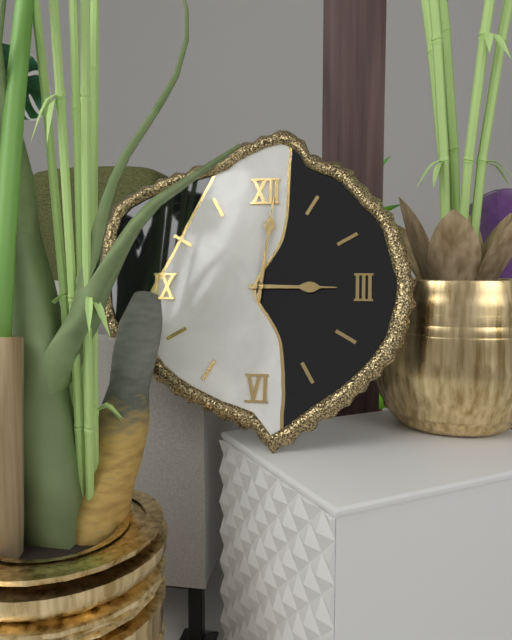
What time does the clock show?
3:01
